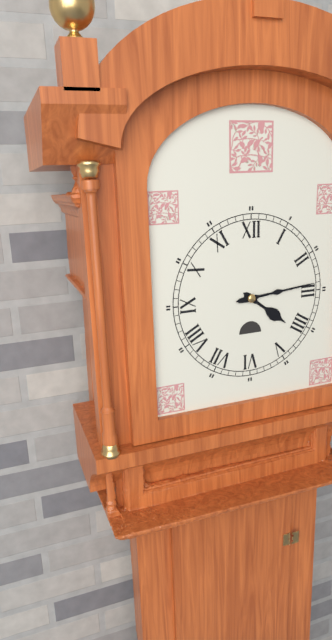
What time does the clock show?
4:14
